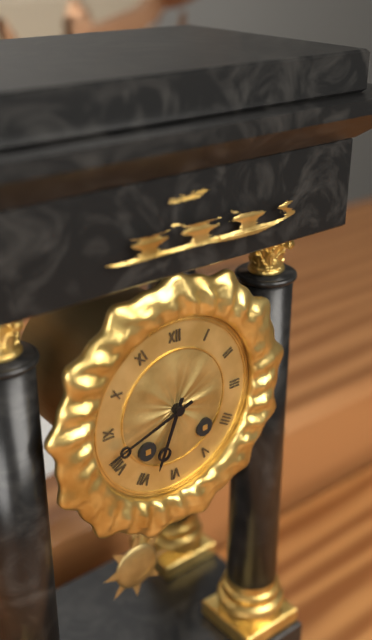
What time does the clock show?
6:42
